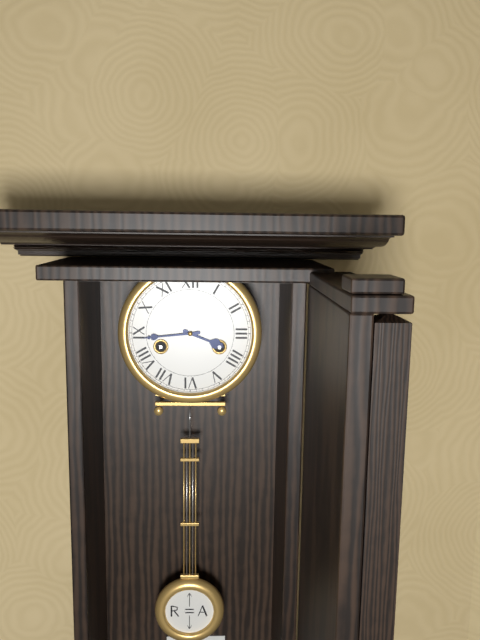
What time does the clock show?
3:44
